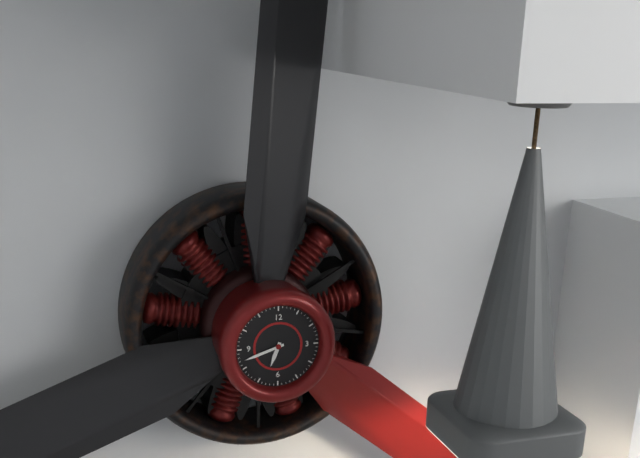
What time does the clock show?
6:42
